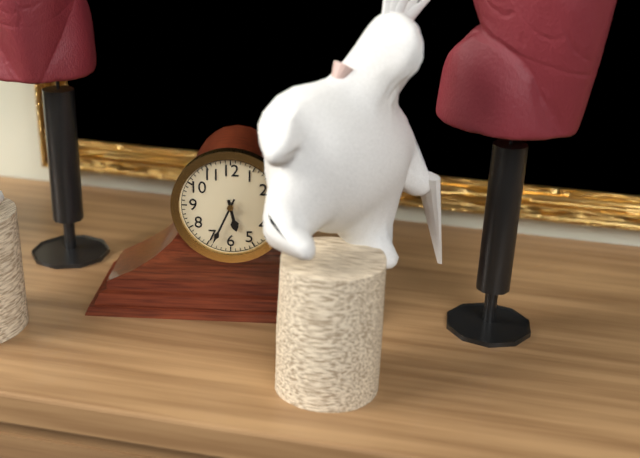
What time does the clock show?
5:34
